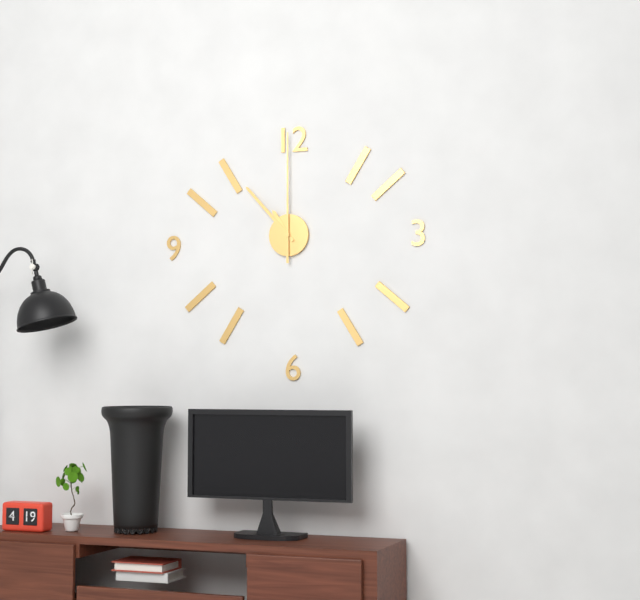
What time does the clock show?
10:53:00
